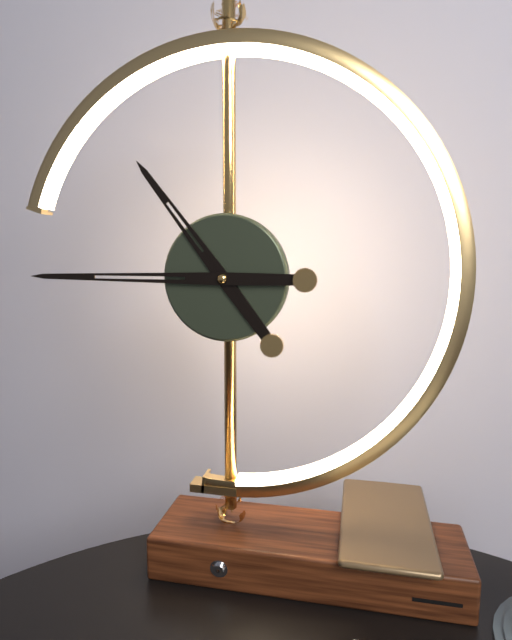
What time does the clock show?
10:45
